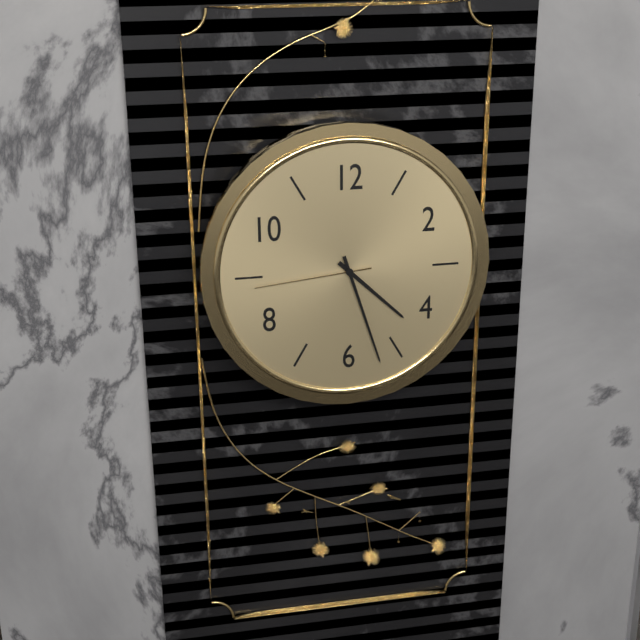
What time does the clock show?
4:27:44
